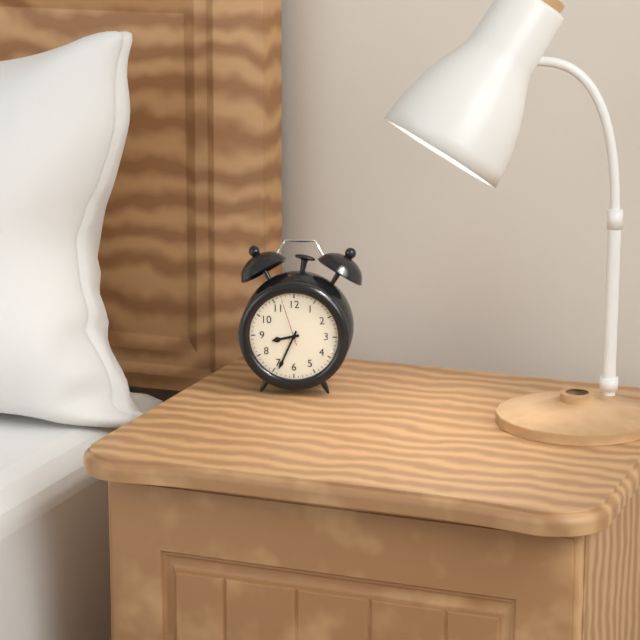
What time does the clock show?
8:34
